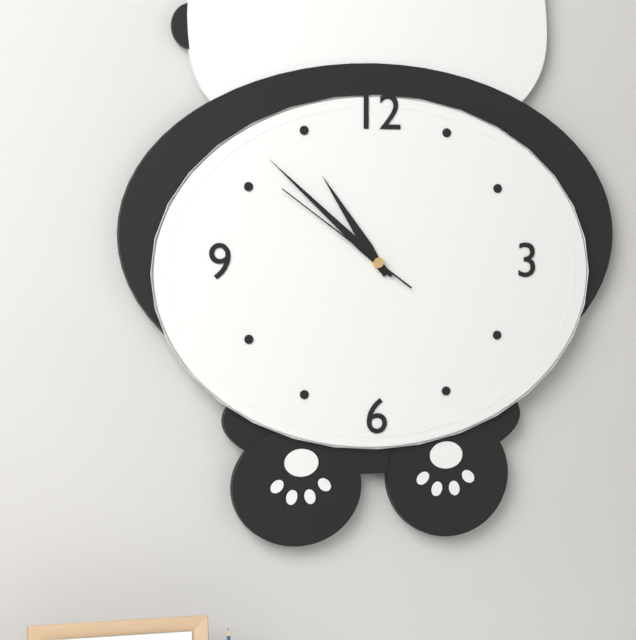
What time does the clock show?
10:52:51
